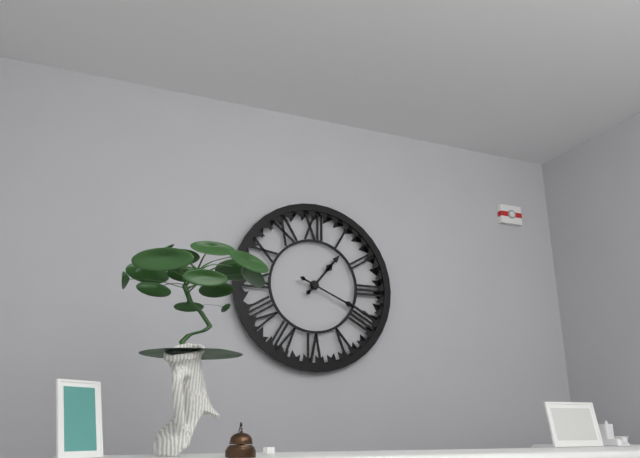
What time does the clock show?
1:19
